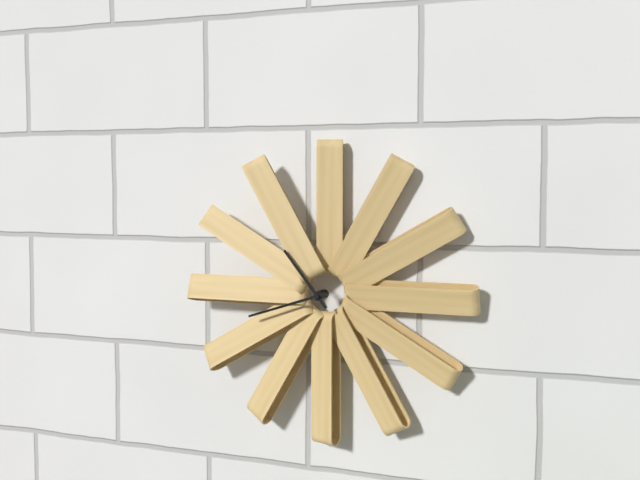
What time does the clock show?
10:42
